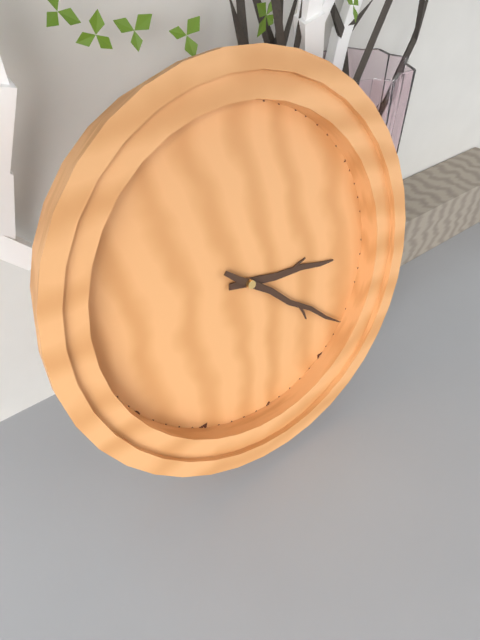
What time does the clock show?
3:22
